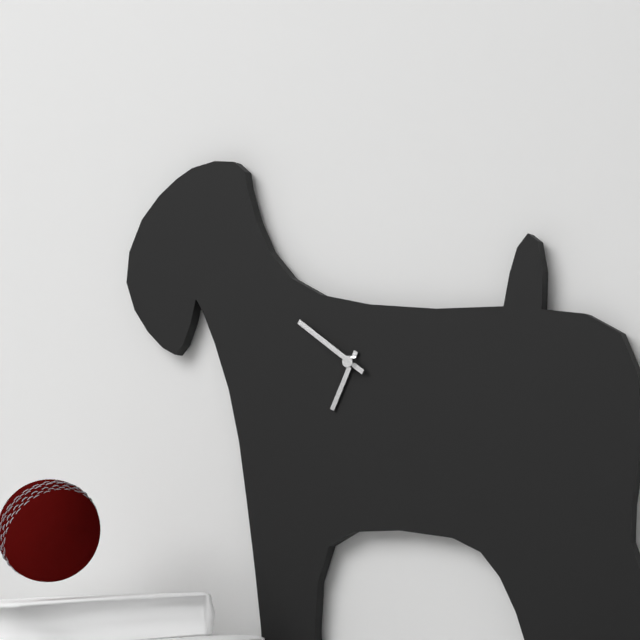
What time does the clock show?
6:51
